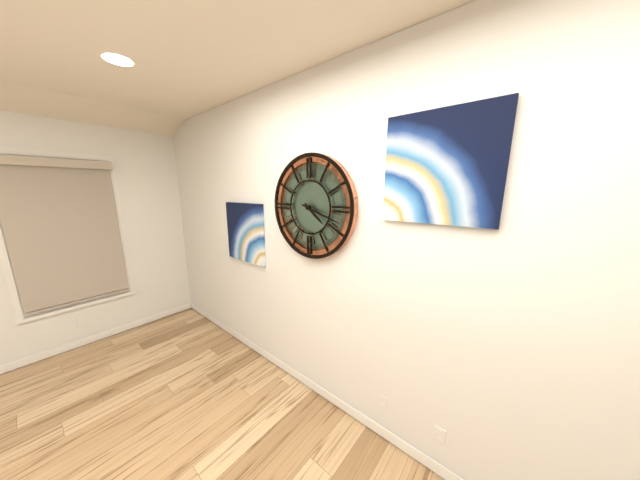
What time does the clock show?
4:18
